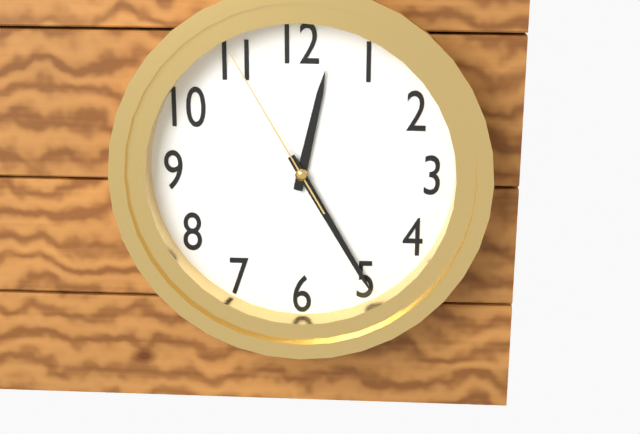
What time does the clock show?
12:25:55
